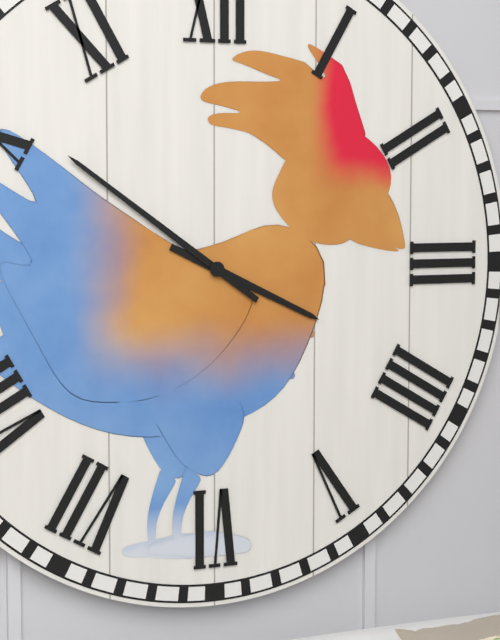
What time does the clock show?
3:51
